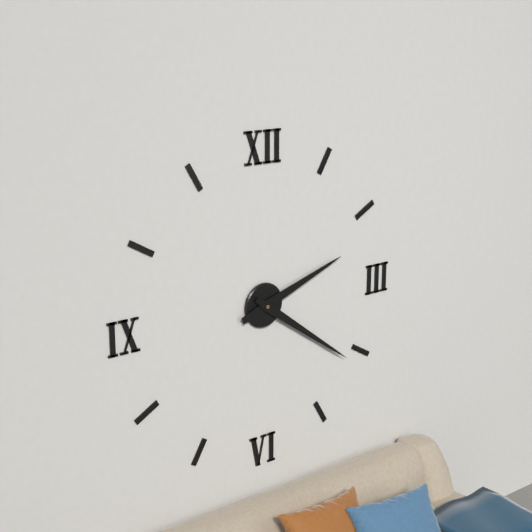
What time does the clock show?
2:21
